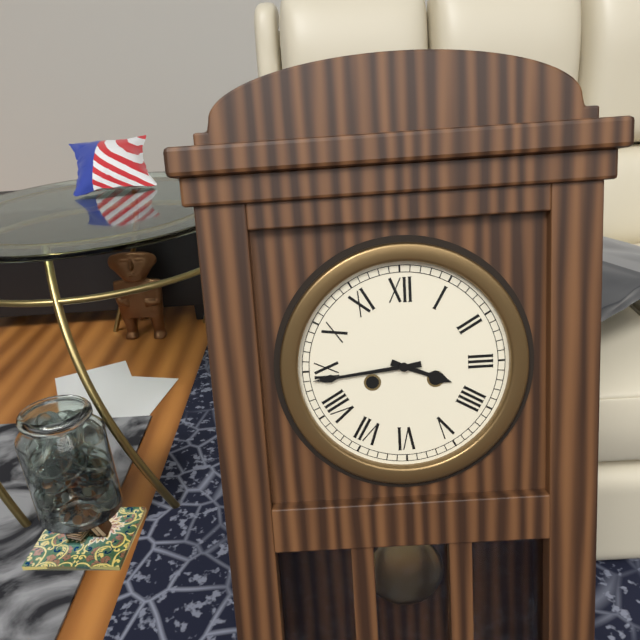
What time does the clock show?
3:44
